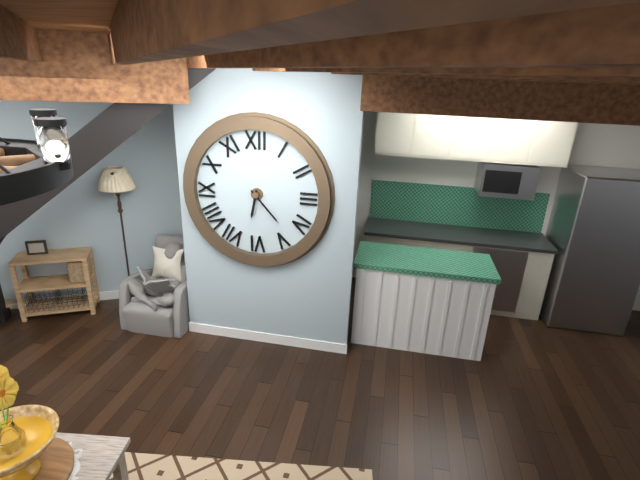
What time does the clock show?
6:23
